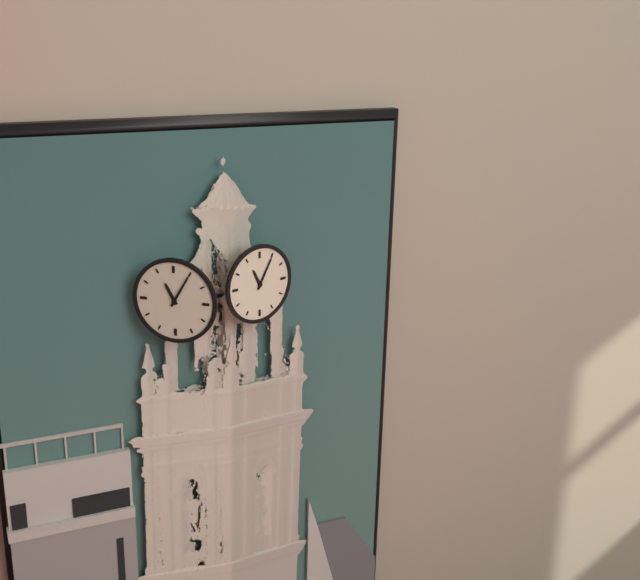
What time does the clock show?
11:05
